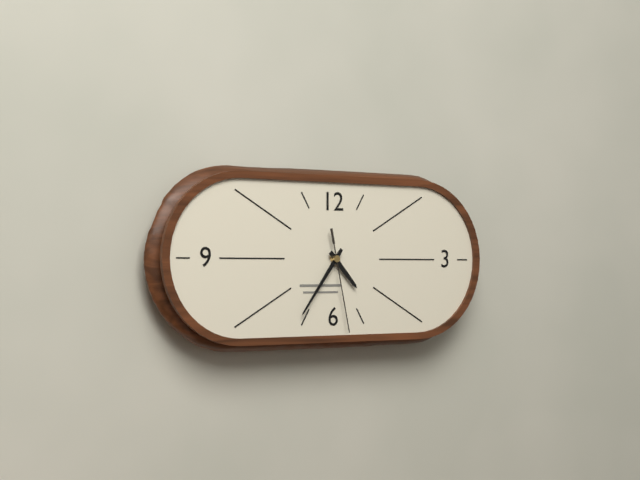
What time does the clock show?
4:36:28
